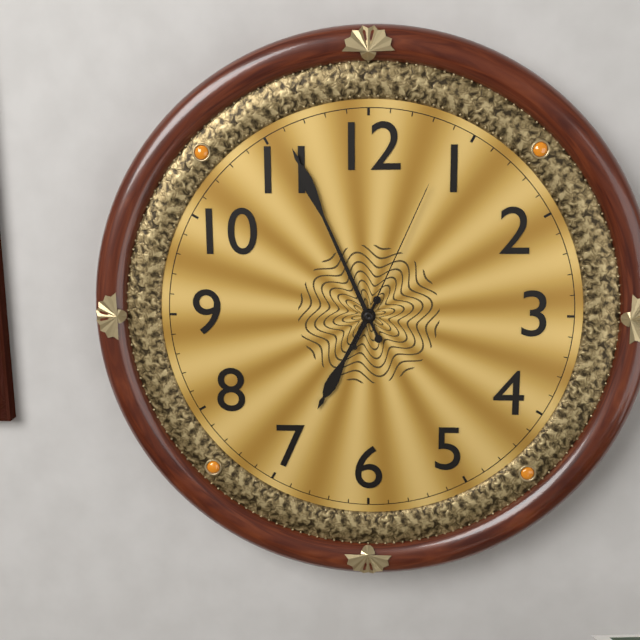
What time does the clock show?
6:56:04
